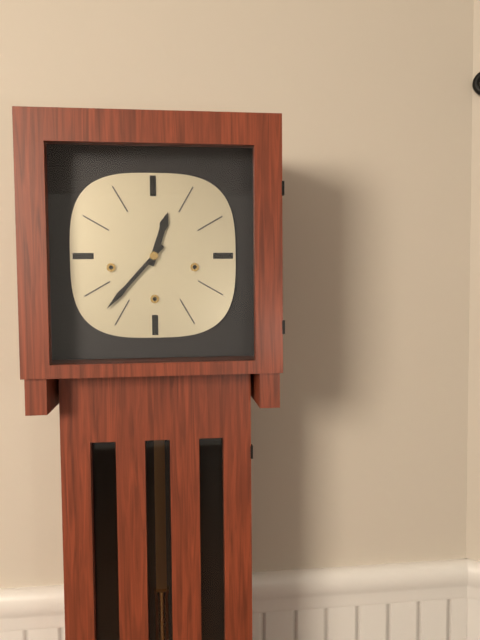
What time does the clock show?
12:37
